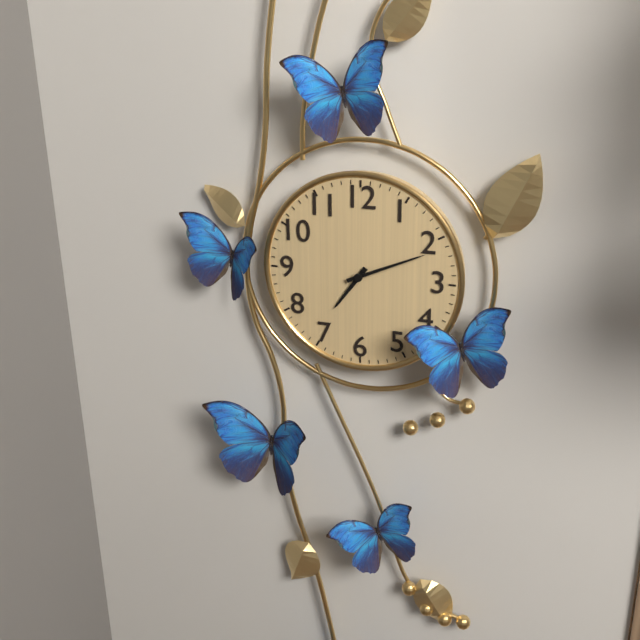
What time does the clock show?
7:11
